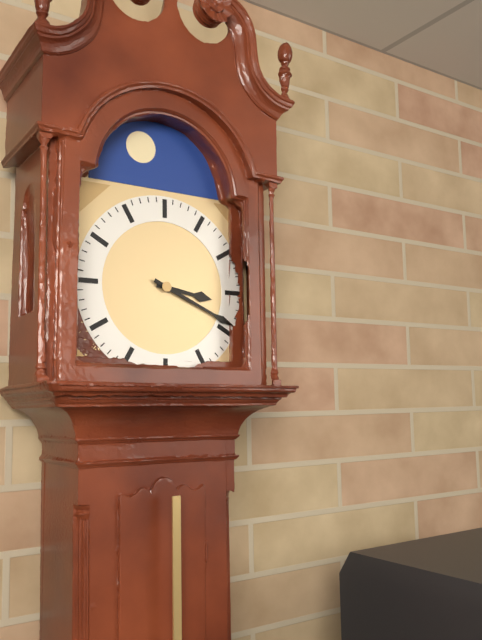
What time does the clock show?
3:19
